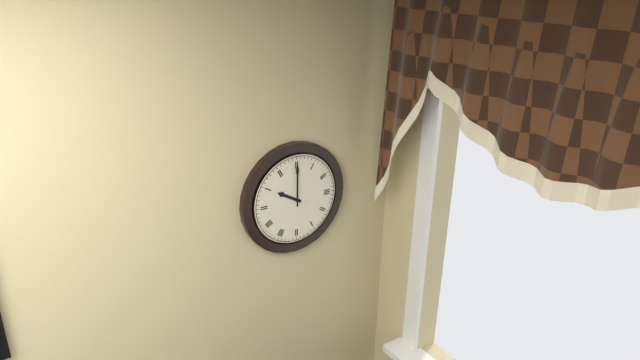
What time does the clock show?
10:00
